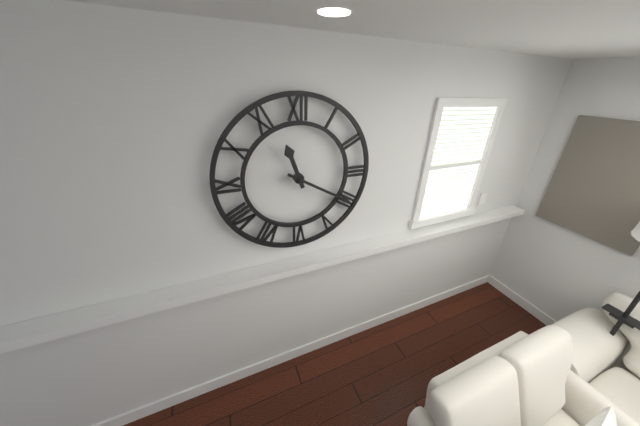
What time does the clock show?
11:20
